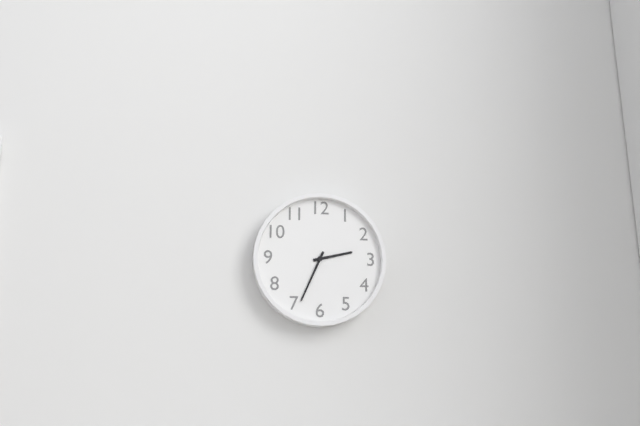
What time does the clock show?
2:34
